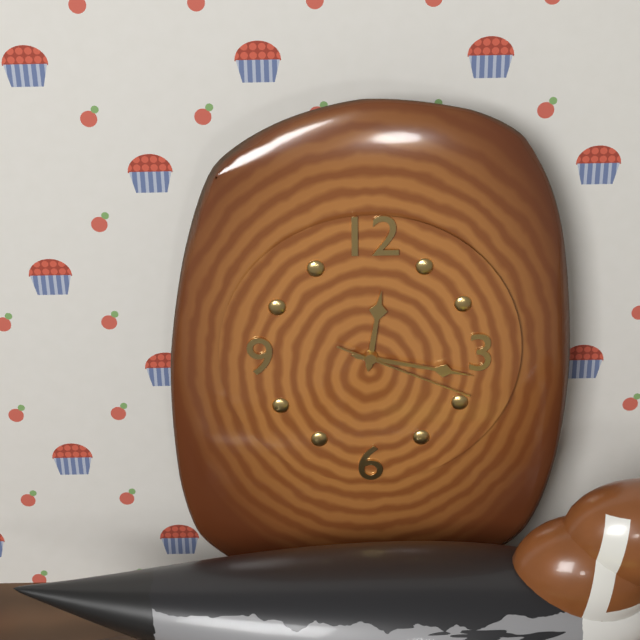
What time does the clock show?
12:17:19
